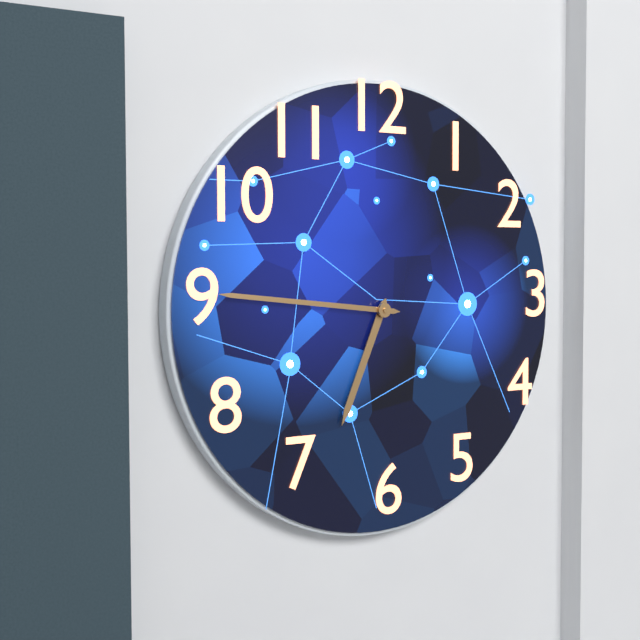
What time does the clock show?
6:46
